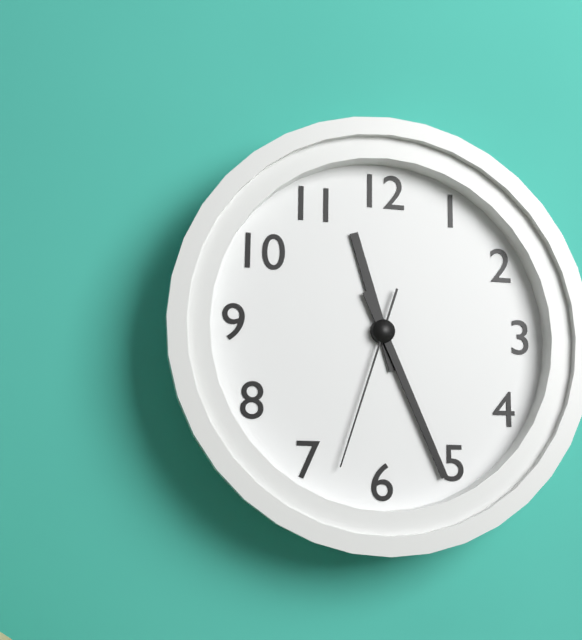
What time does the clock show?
11:26:33
